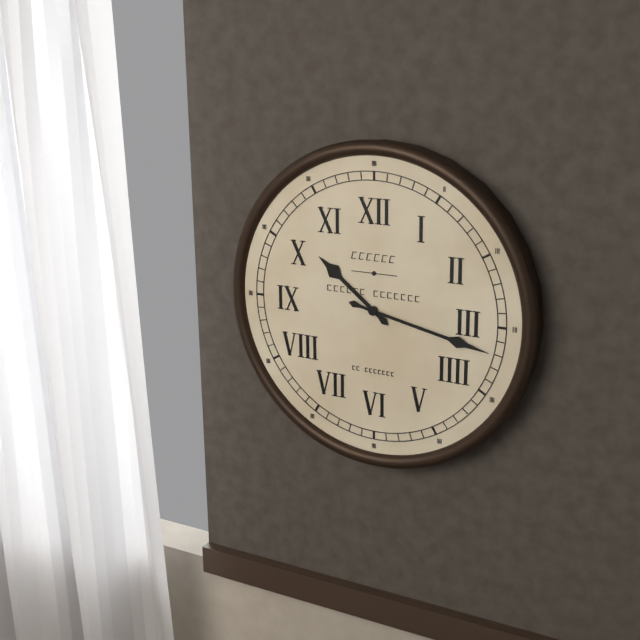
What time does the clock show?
10:17
